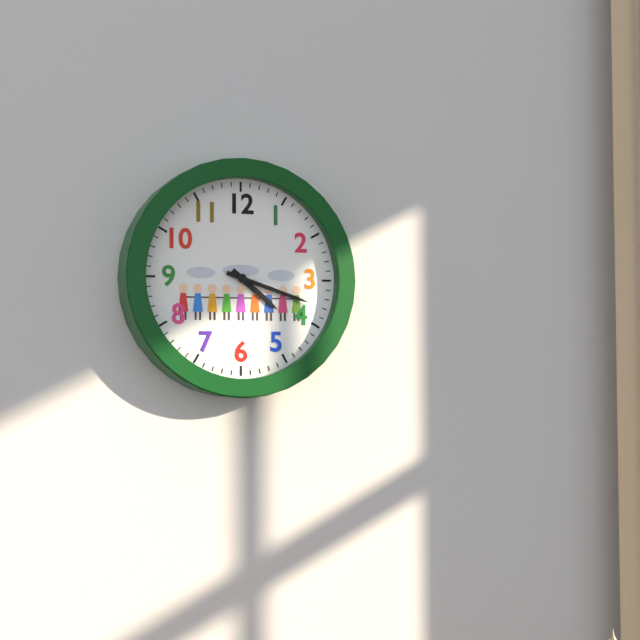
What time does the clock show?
4:18
